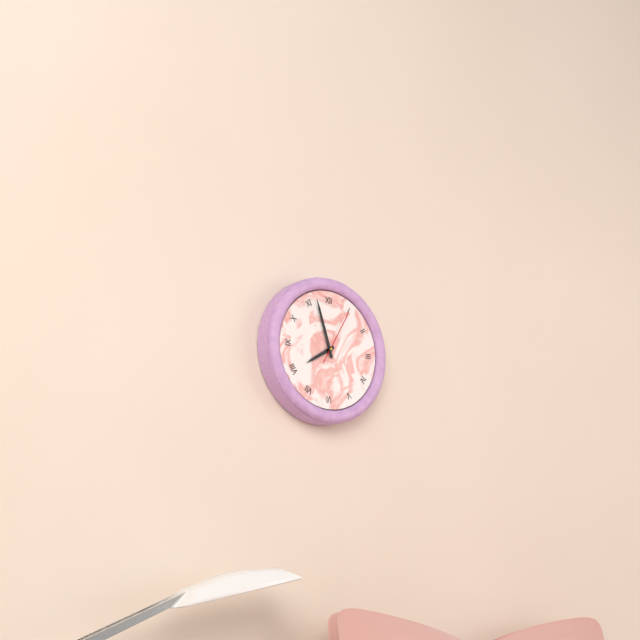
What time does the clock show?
7:57:05
